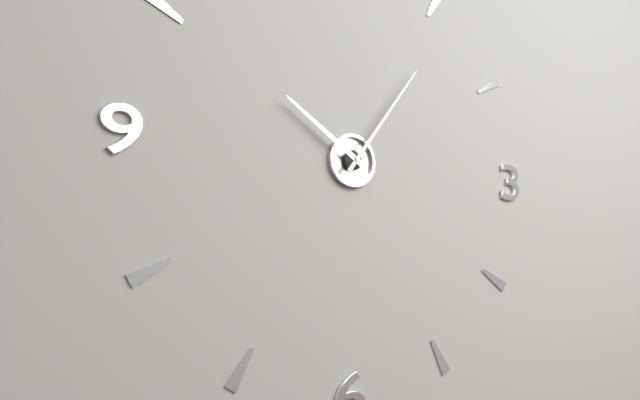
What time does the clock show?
10:06
